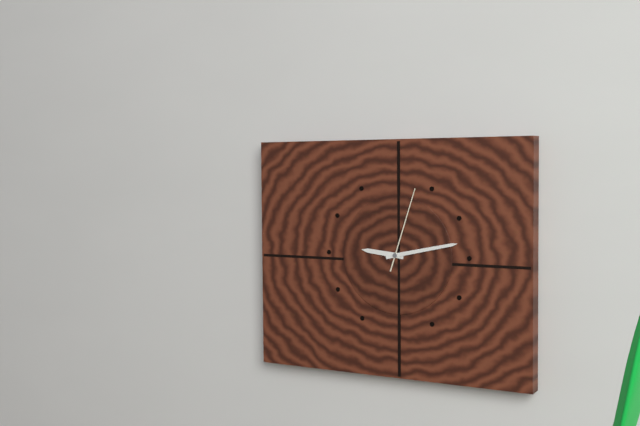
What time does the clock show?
9:13:03
